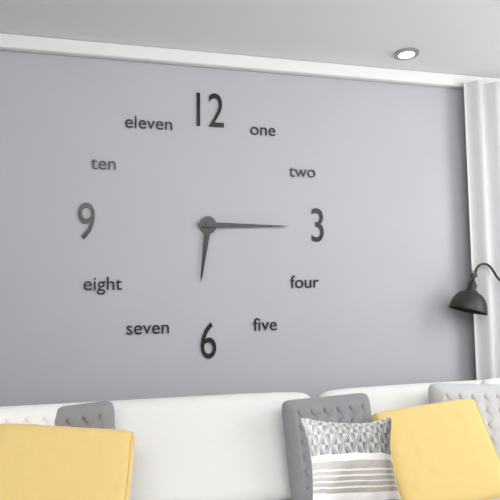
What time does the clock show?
6:15
